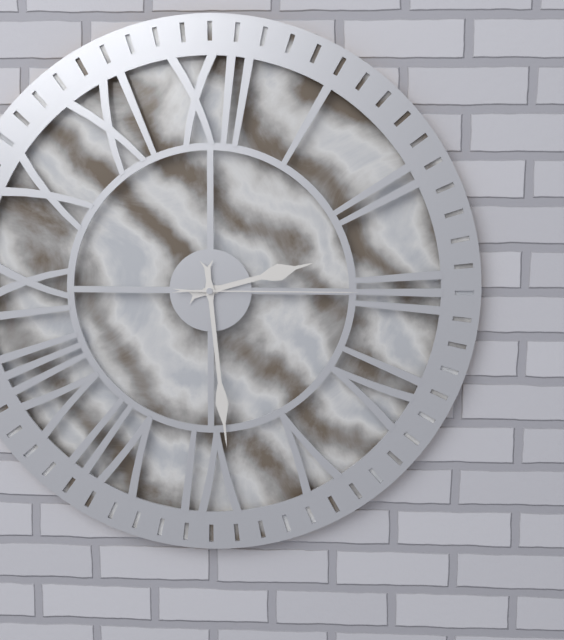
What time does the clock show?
2:29:15
